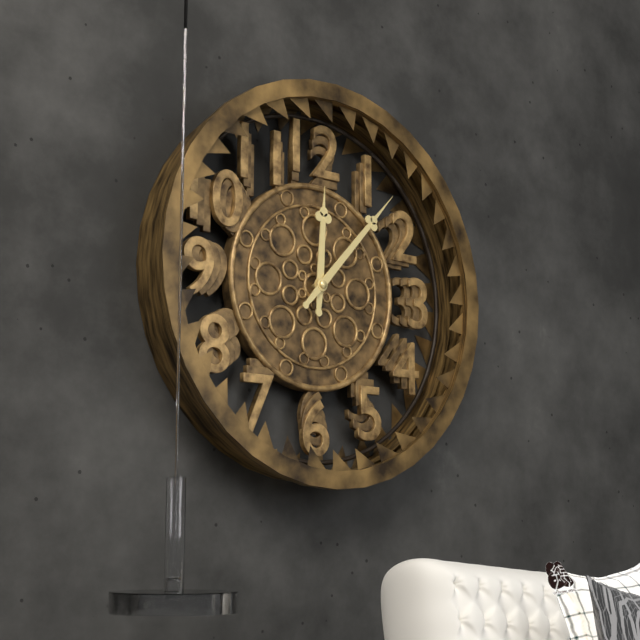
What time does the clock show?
12:07
